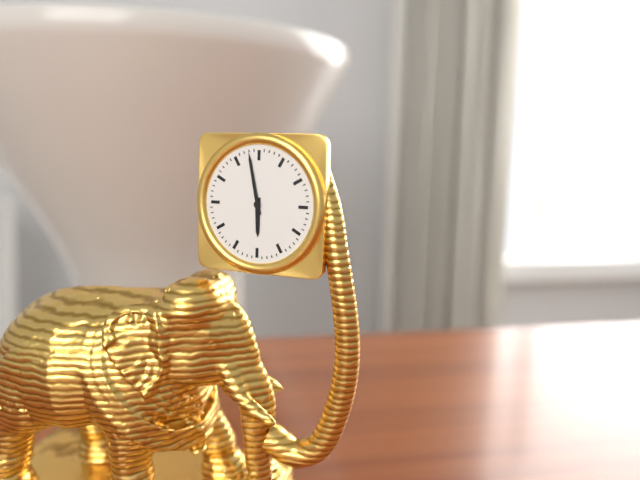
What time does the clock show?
5:58
